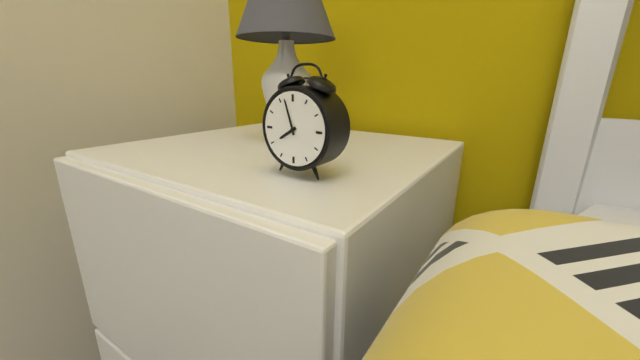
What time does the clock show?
7:57
